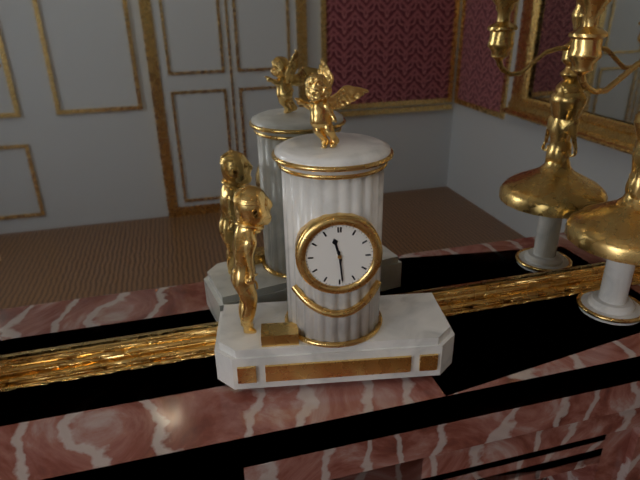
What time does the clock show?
11:29
